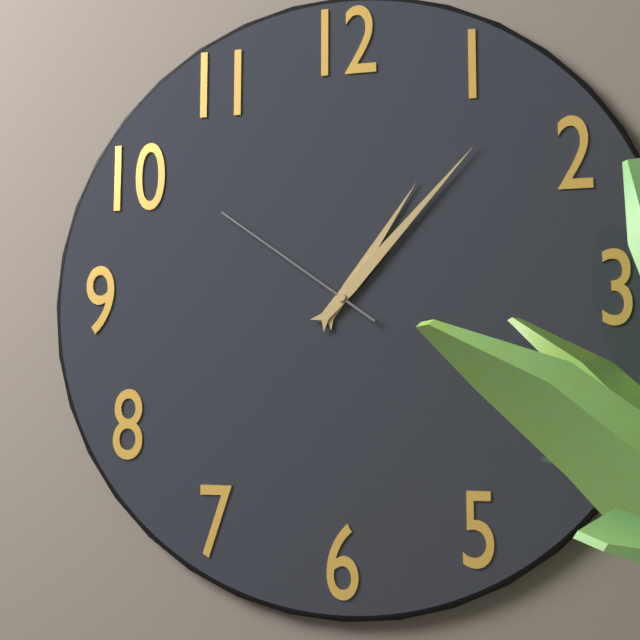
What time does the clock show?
1:07:51
